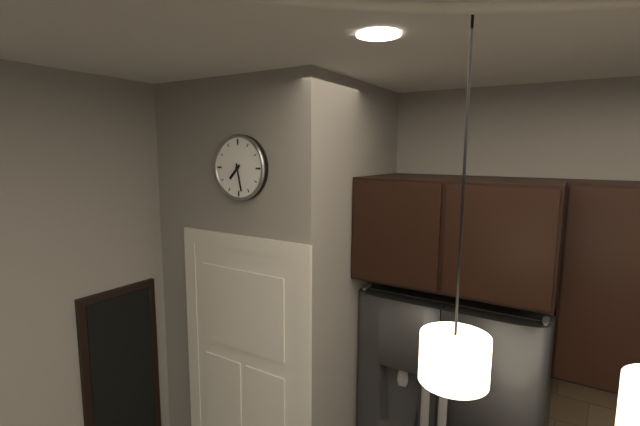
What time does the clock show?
7:28
